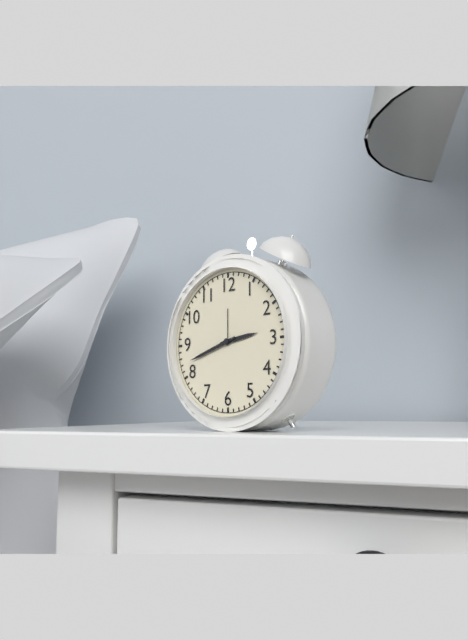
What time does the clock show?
2:42
